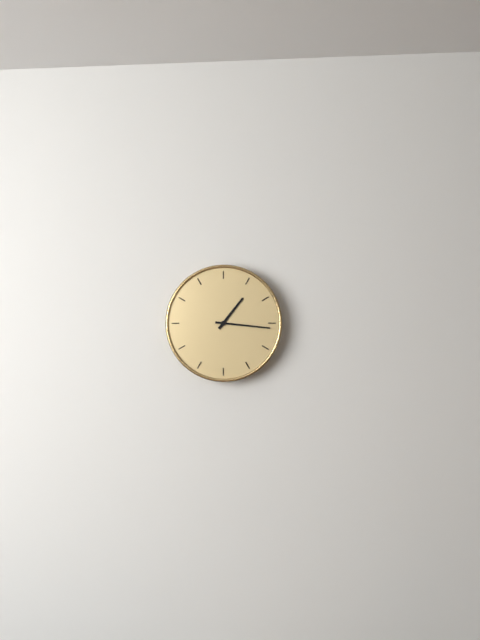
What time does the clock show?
1:16
